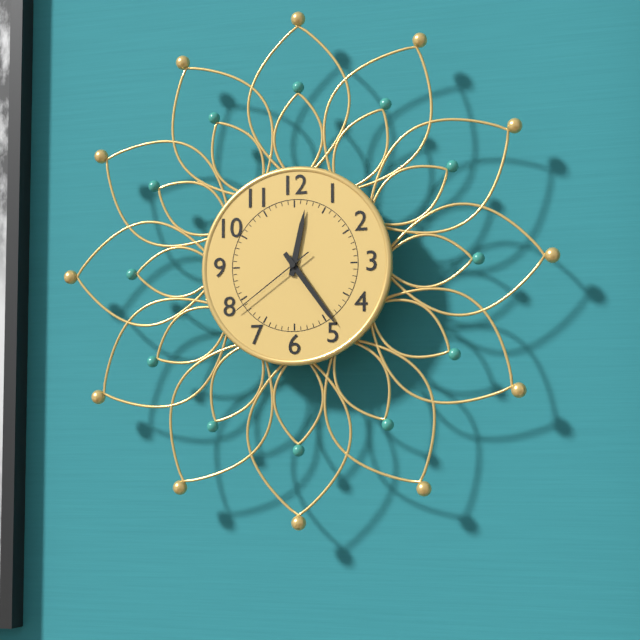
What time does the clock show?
12:24:39
